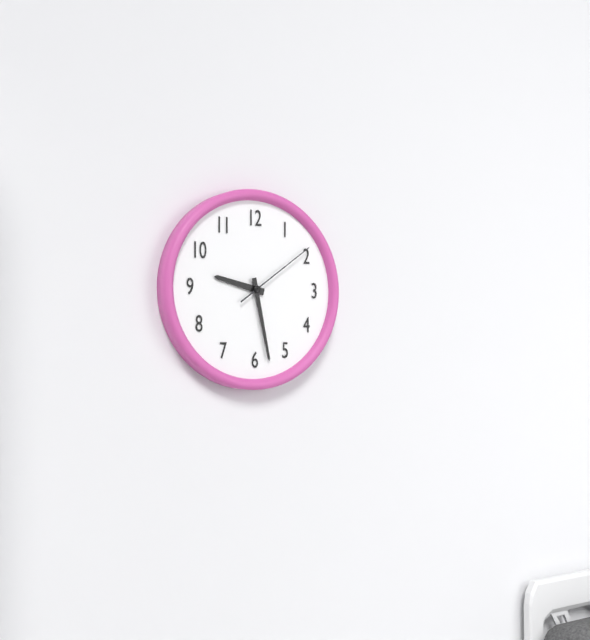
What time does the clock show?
9:28:09
